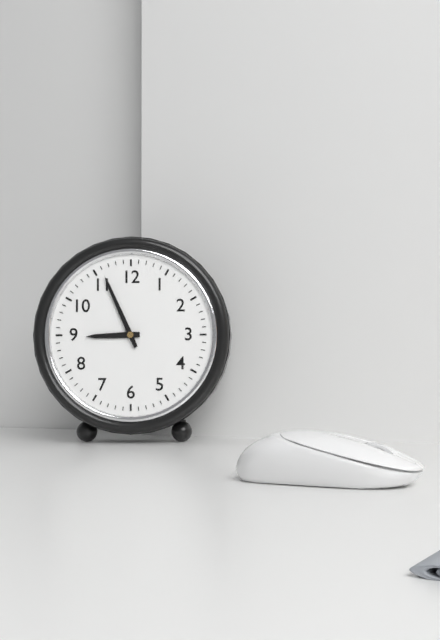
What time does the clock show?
8:56
